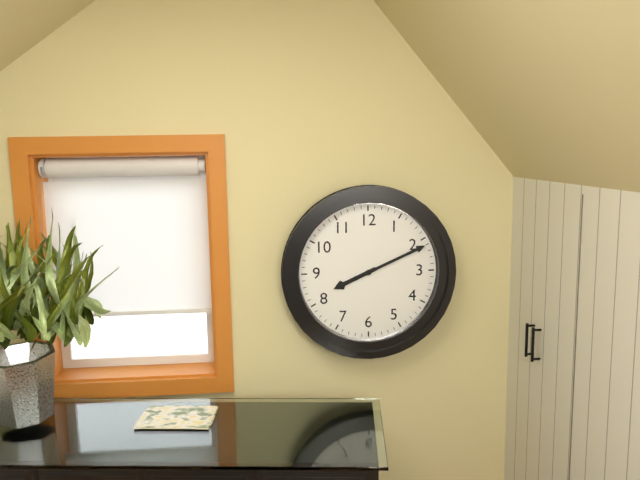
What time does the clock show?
8:11
